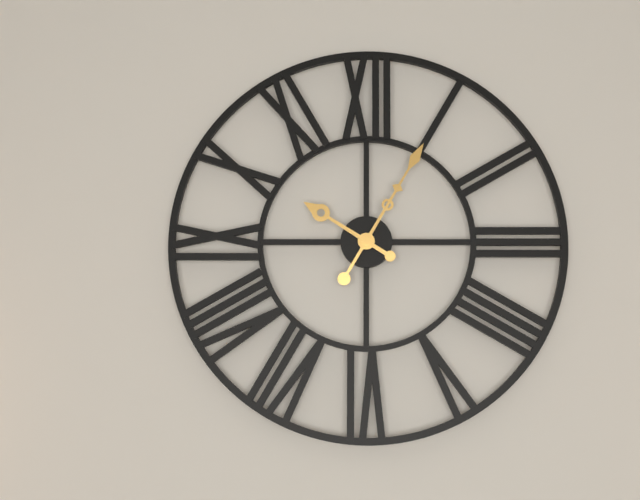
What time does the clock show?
10:05
